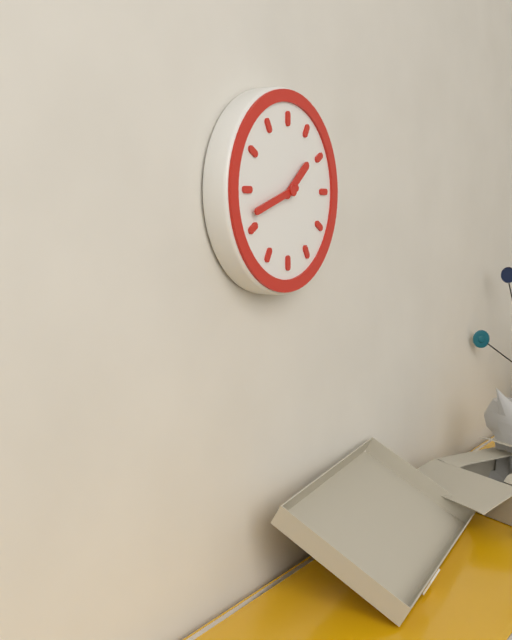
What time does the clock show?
1:42
